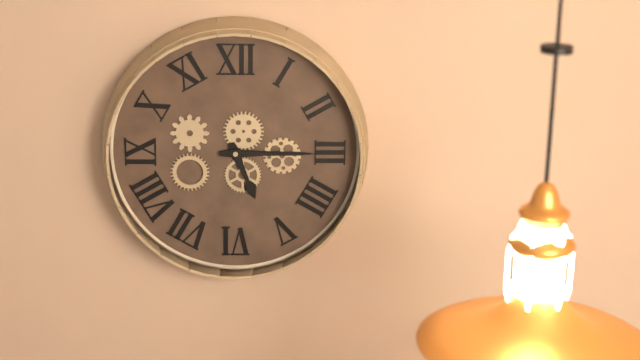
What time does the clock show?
5:15
